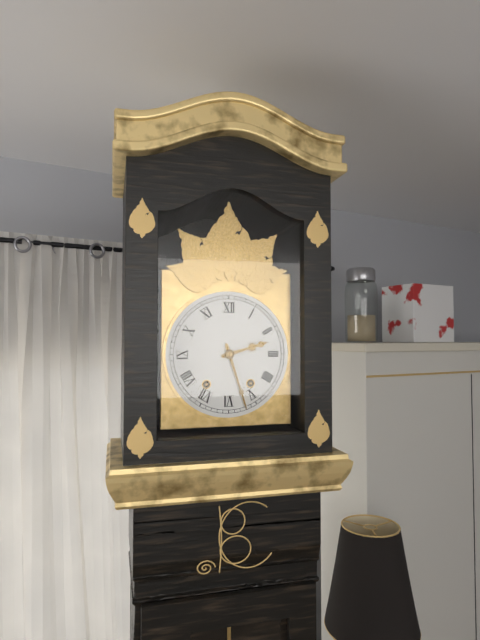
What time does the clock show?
2:27
